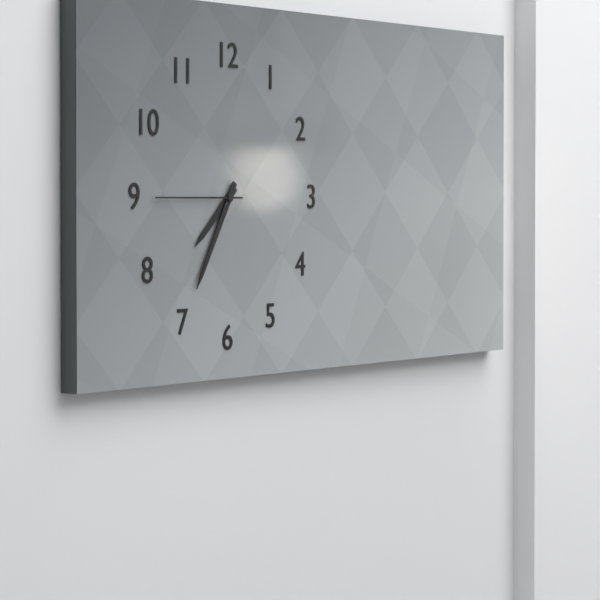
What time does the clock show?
7:35:45
